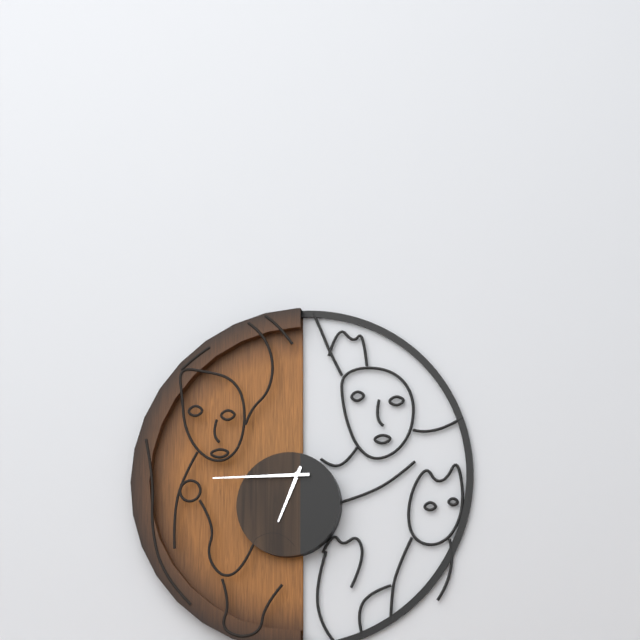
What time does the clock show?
6:45
